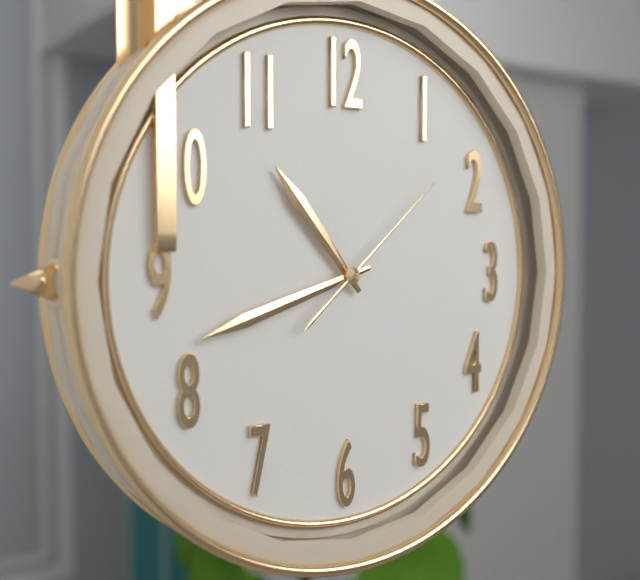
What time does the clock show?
10:42:08
